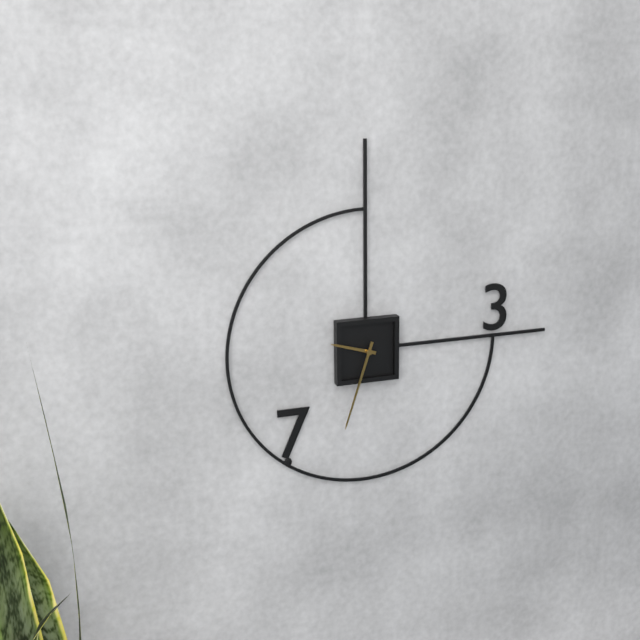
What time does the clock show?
9:33
